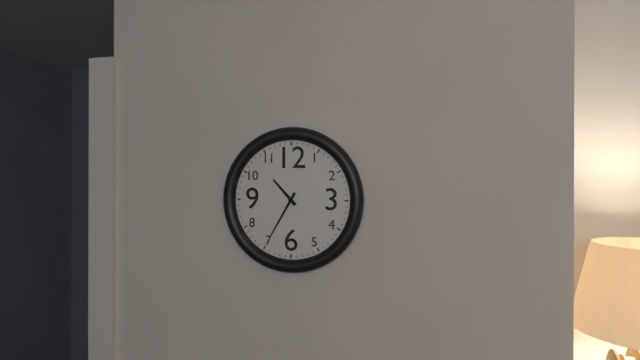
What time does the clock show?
10:35
